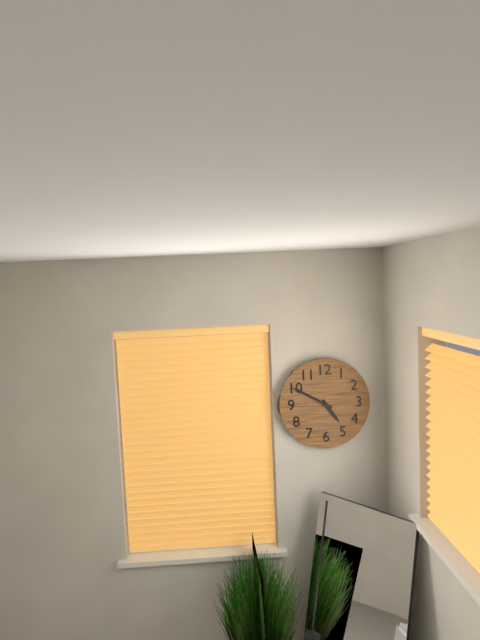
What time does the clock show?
4:50
